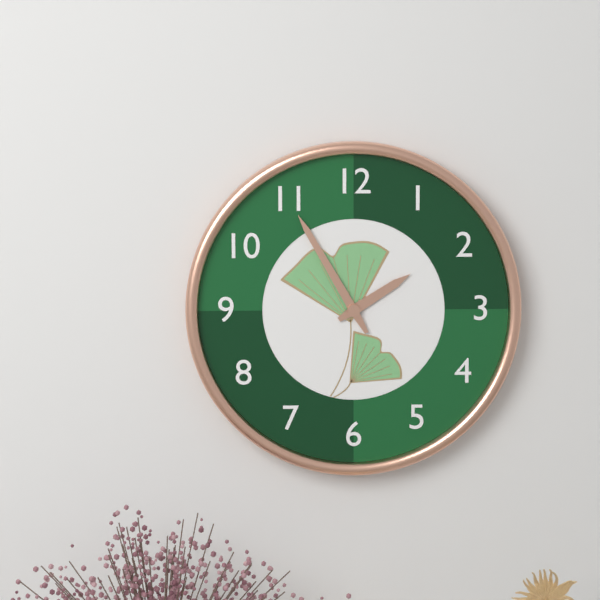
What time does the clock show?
1:55
